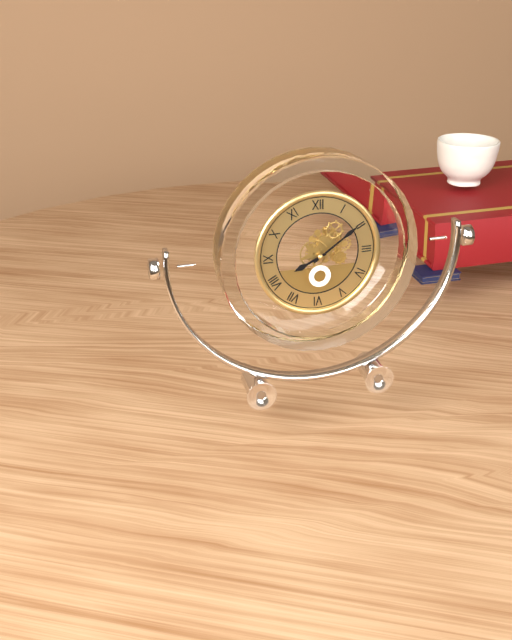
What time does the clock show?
8:09
